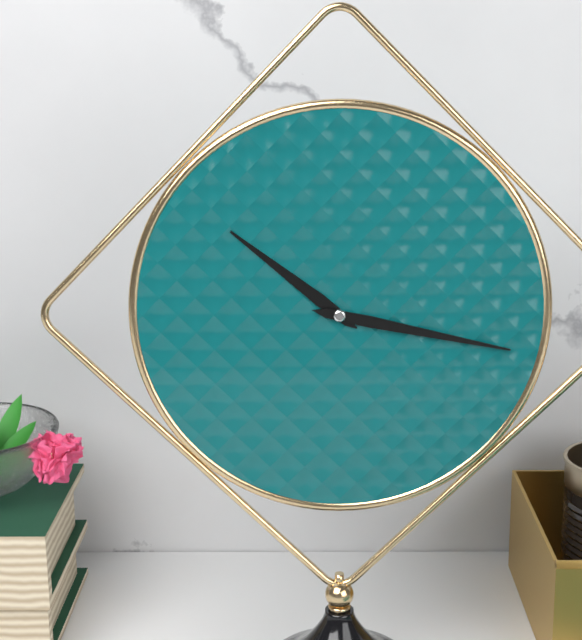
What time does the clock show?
10:17
